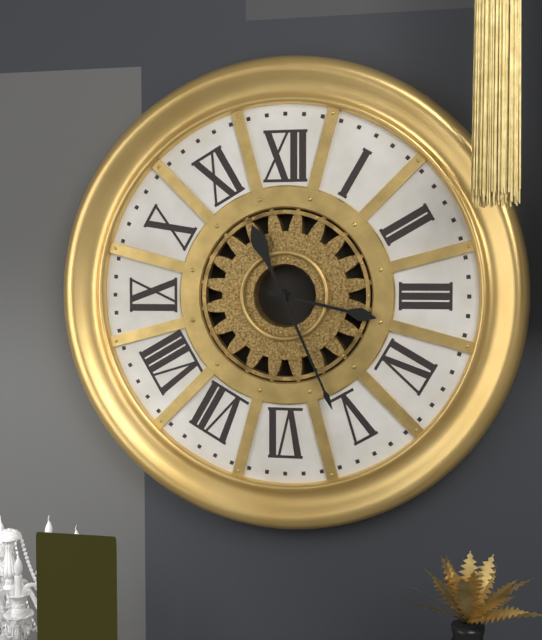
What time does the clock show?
3:26
